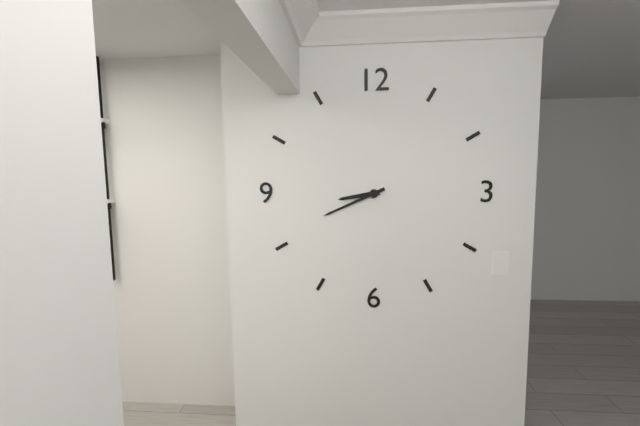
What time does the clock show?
8:41
